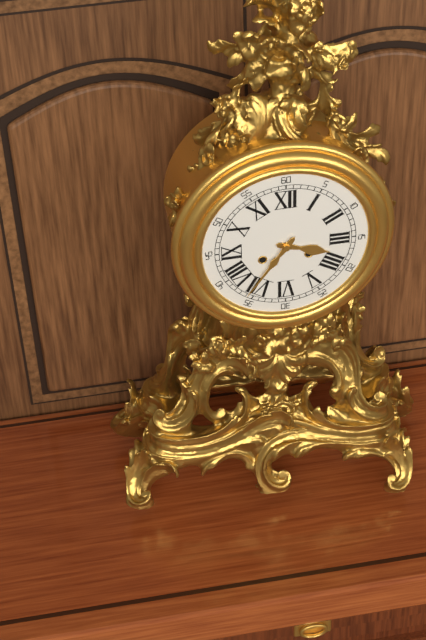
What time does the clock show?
3:36
